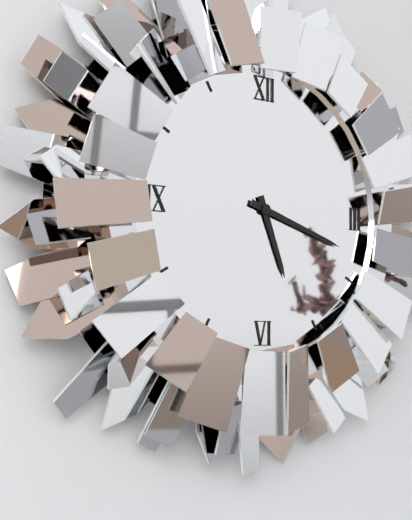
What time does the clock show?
5:18
